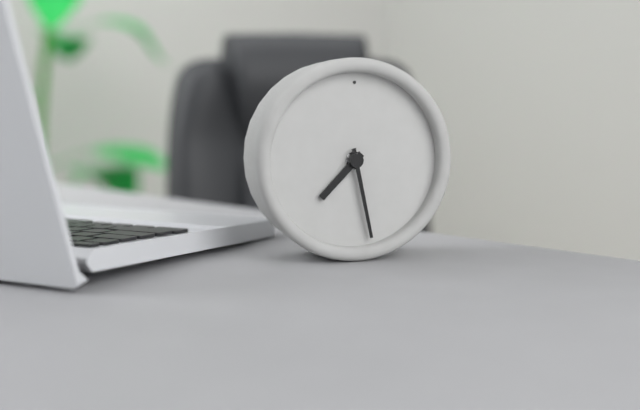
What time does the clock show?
7:28
